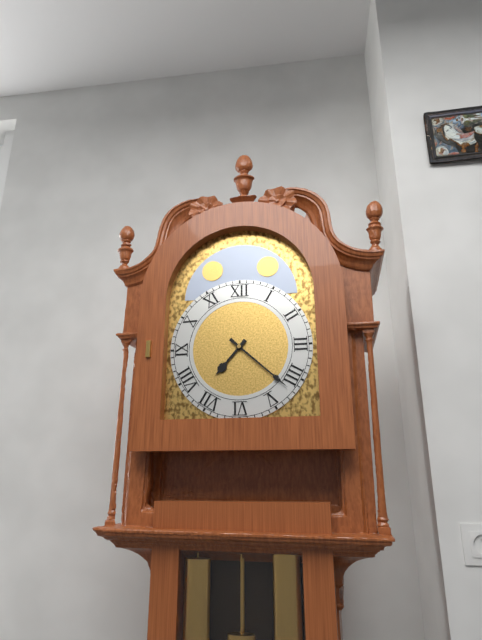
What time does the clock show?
7:22
